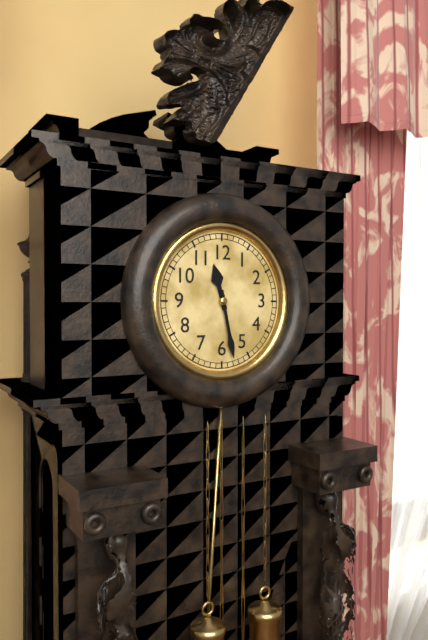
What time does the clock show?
11:28
